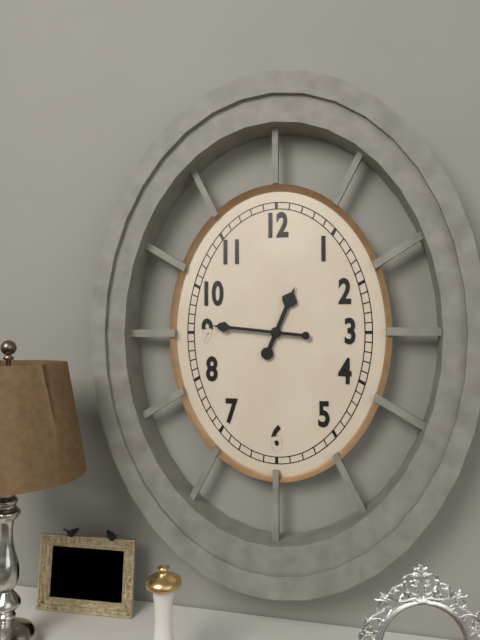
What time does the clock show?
12:46
